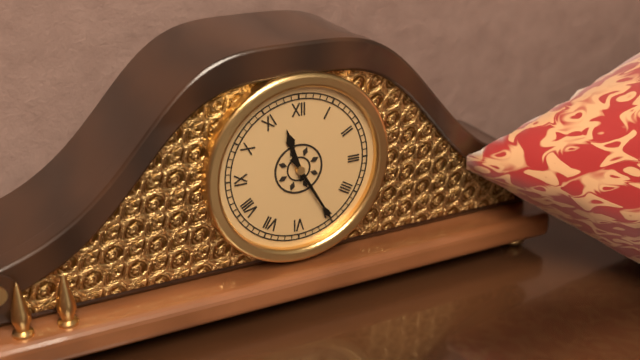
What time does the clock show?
11:25
